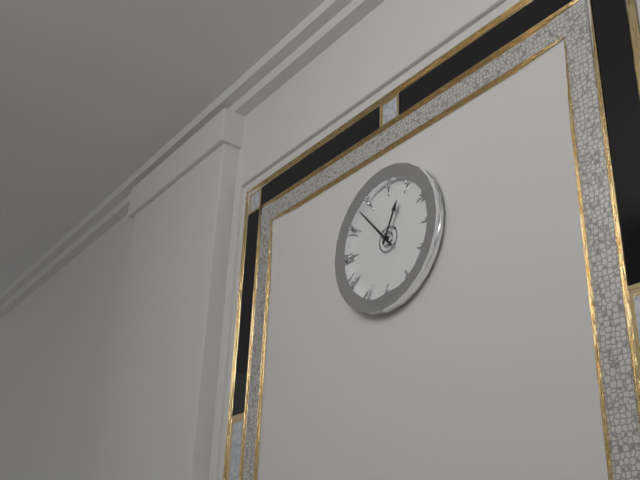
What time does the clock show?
12:53
